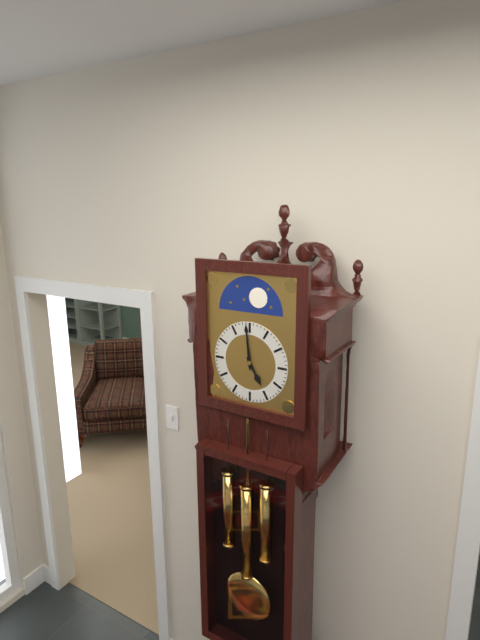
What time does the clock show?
4:59
